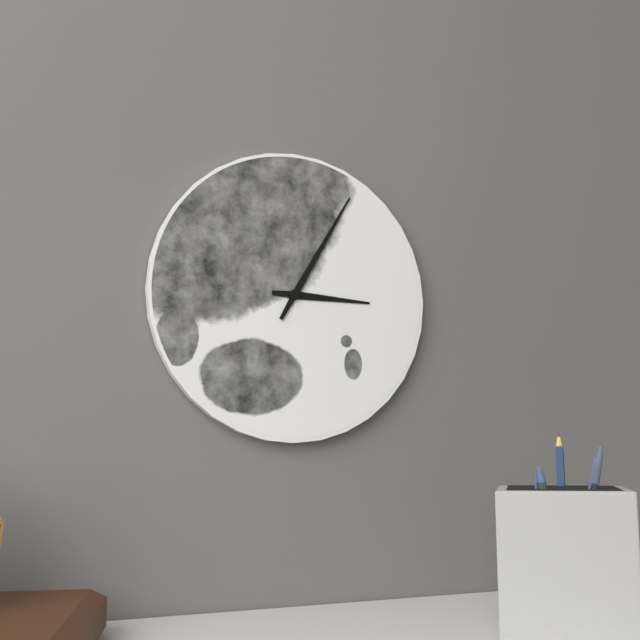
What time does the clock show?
3:05
